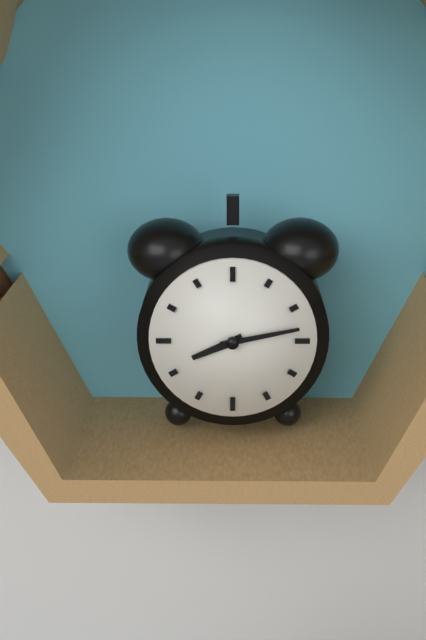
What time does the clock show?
8:13
